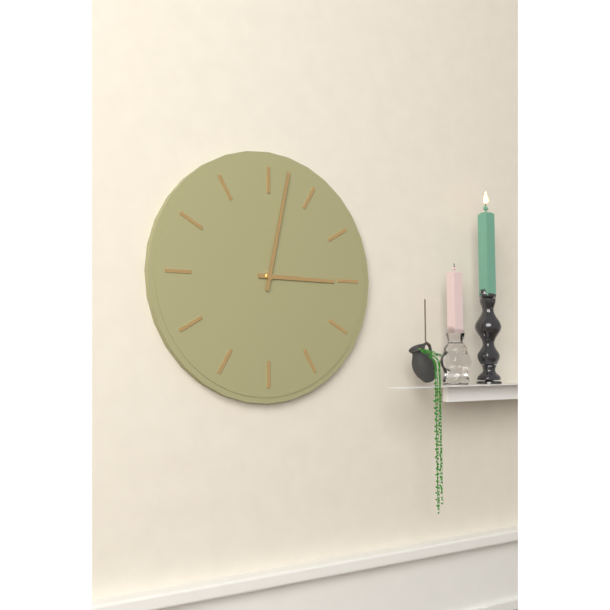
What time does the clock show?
3:02
